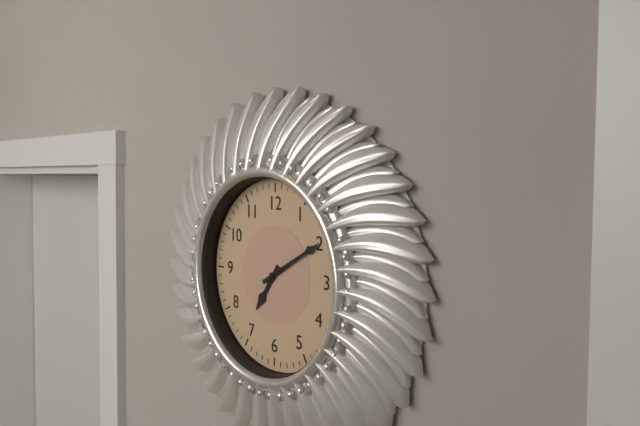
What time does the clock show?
7:10
